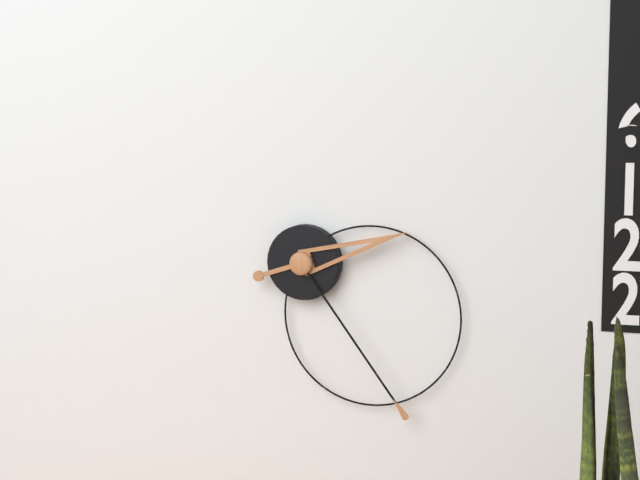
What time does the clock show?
2:24
